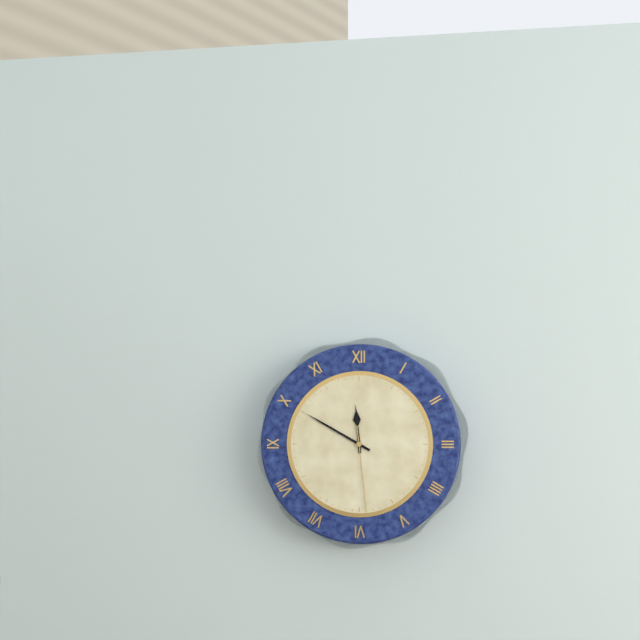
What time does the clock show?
11:50:29
